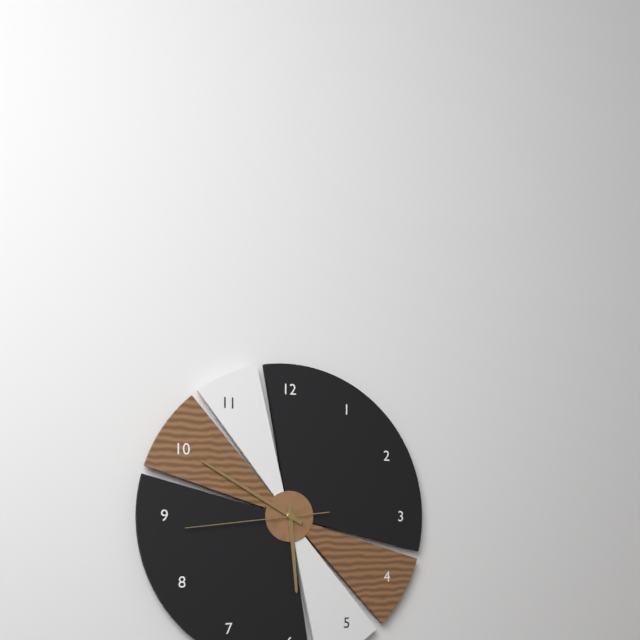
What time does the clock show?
5:50:44
